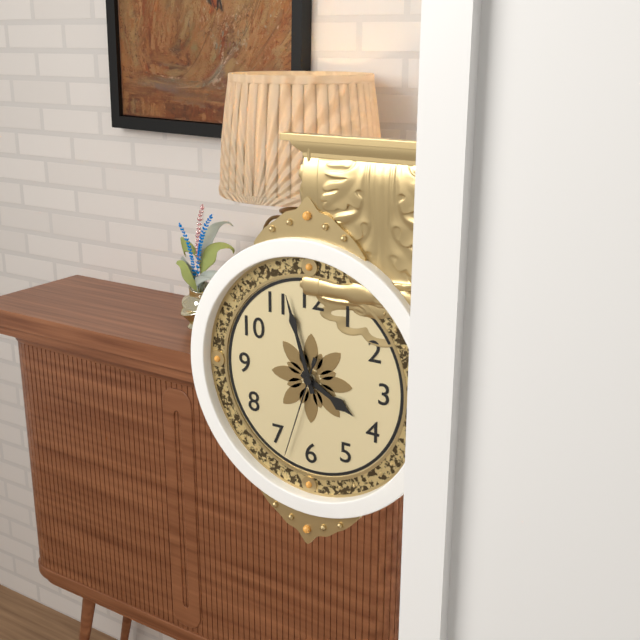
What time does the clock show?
3:57:33
